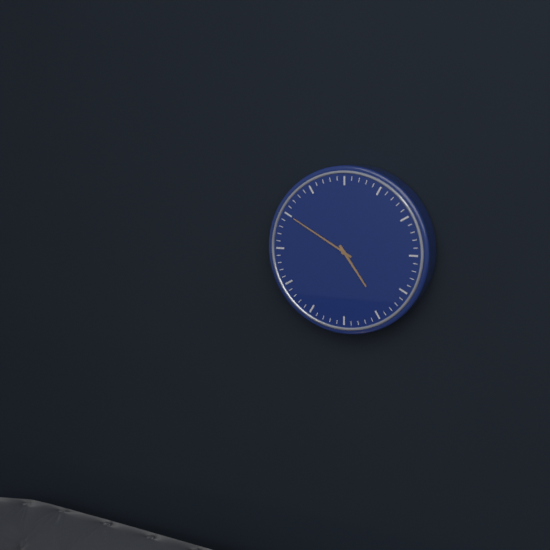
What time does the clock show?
4:50
